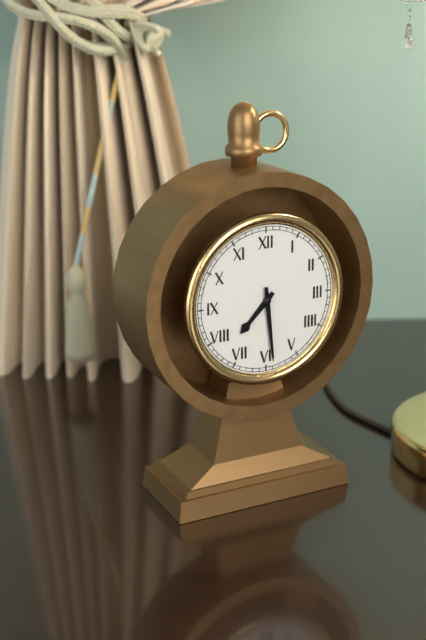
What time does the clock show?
7:29
